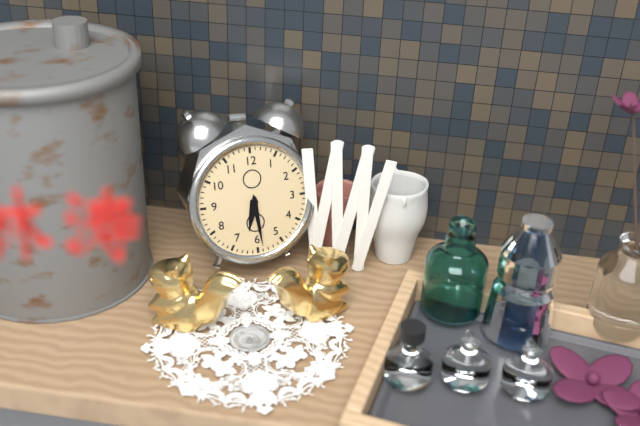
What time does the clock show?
6:29
